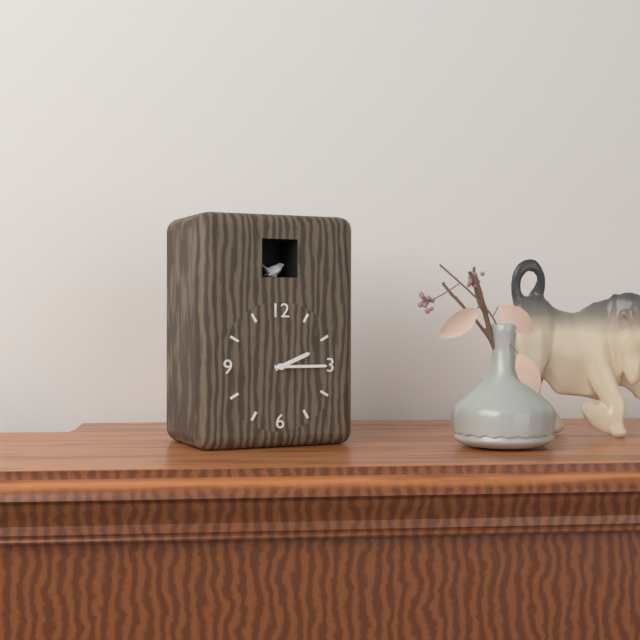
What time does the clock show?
2:15
